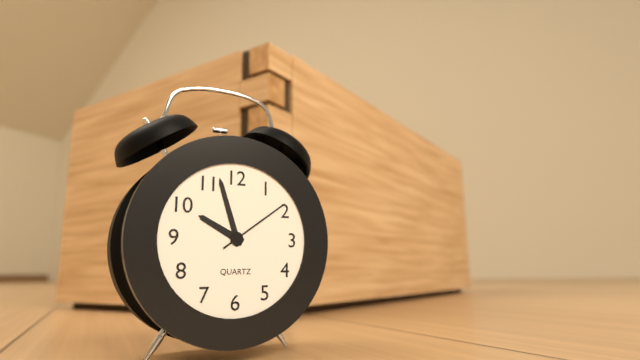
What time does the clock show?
9:57:09
